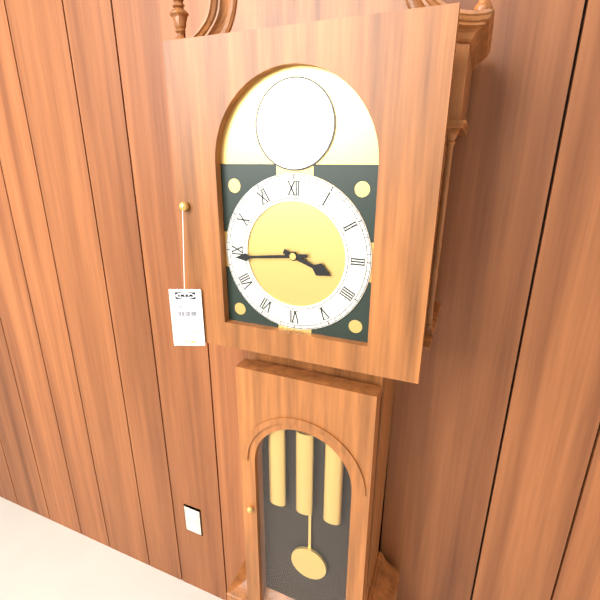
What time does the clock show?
3:44
